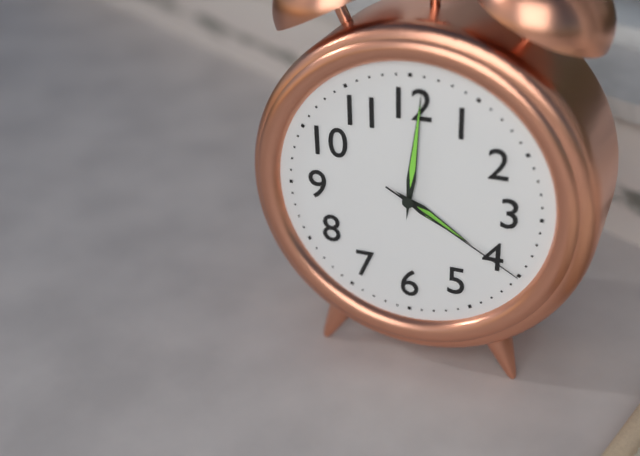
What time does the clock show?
4:01:20
